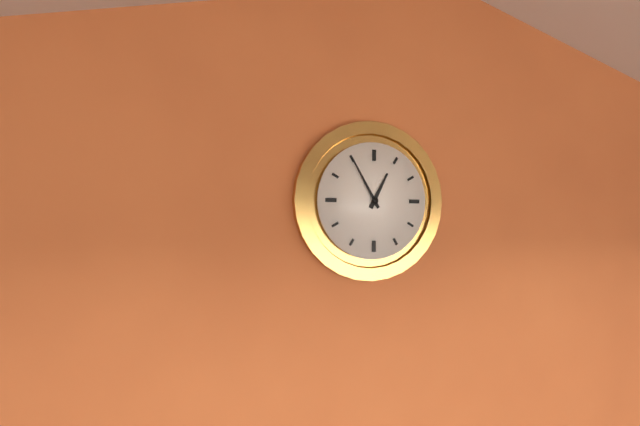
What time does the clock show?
12:55
